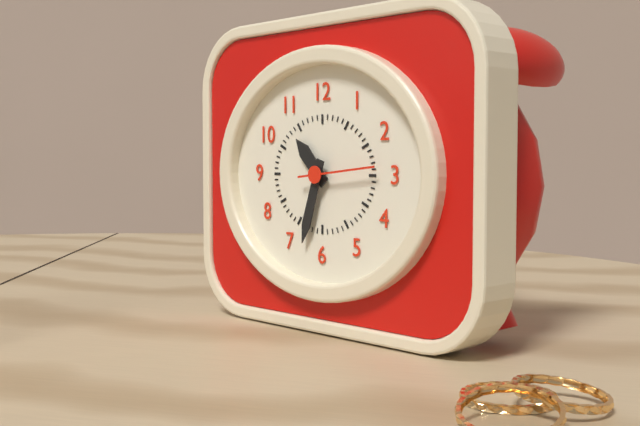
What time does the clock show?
10:33:14
